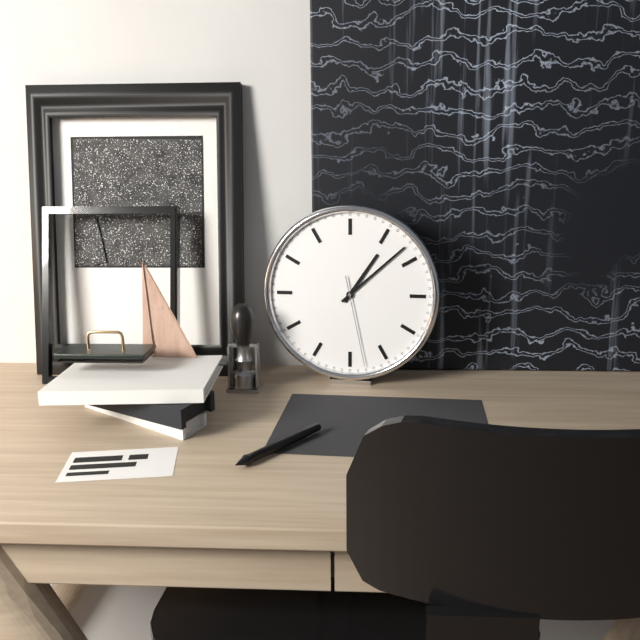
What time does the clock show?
1:08:28
